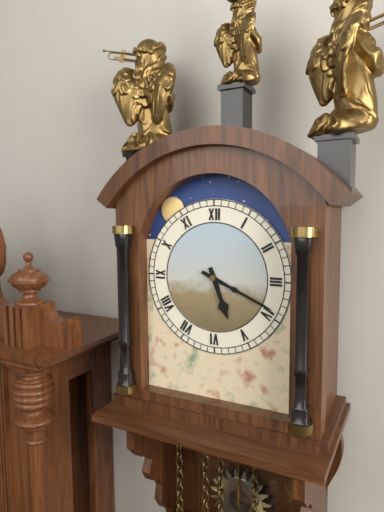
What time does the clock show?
5:19
